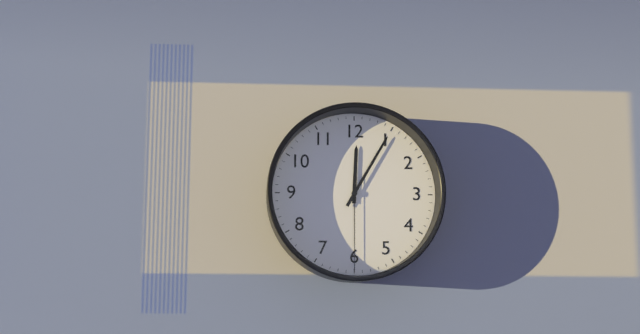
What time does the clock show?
12:05:30
